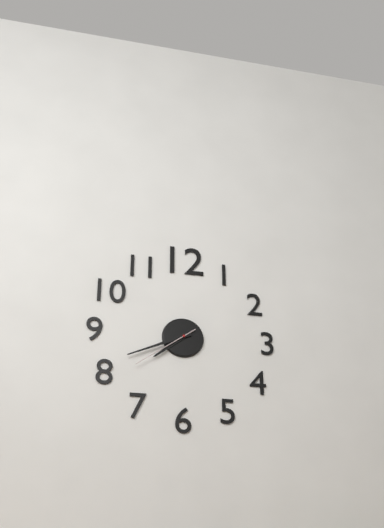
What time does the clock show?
7:41:39
